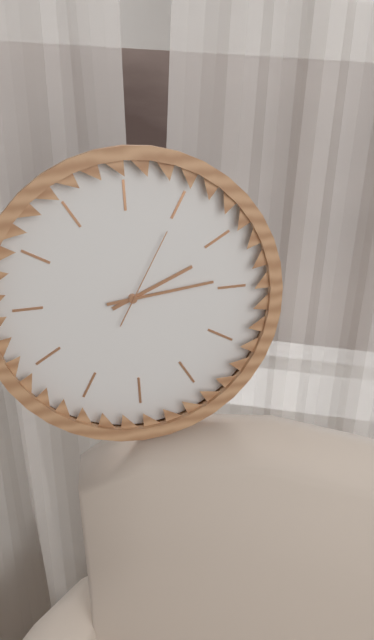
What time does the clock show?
2:14:05
